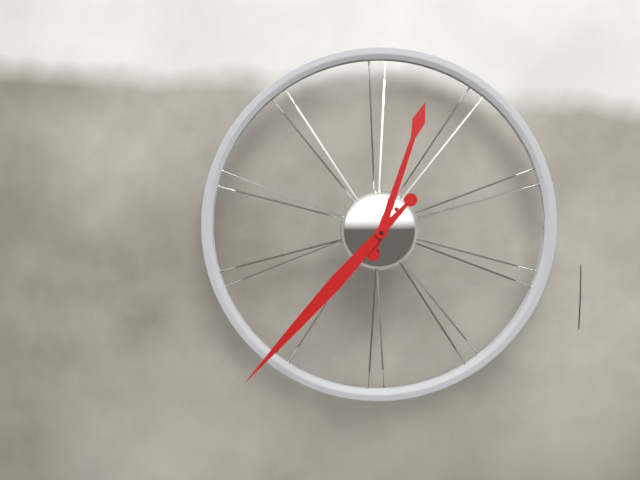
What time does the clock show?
12:37
